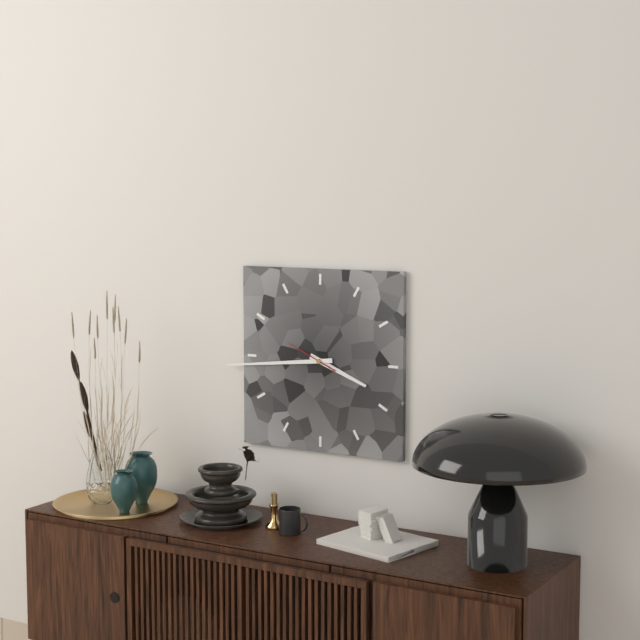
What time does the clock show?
3:44
